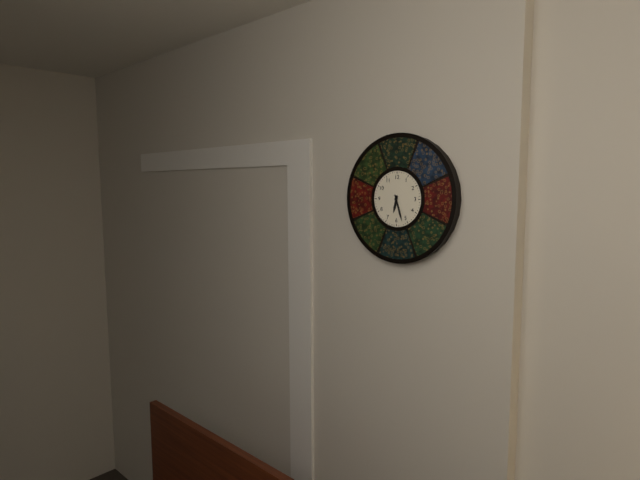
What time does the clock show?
6:27
